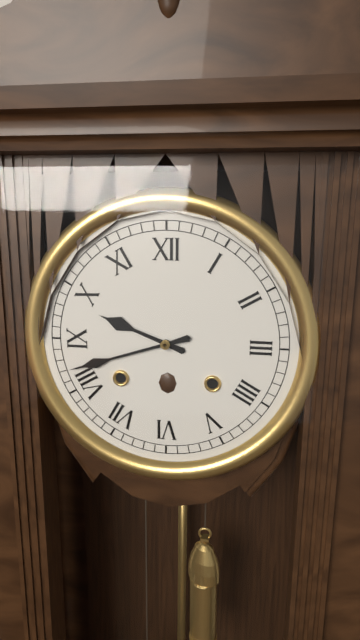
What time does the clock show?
9:42
